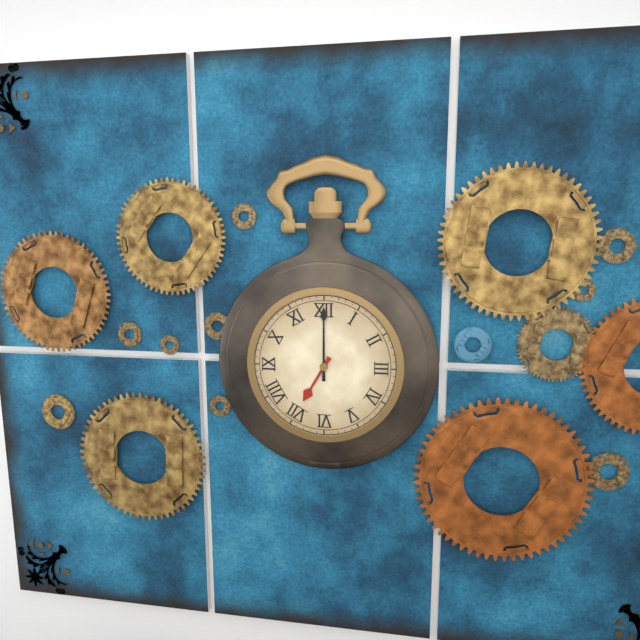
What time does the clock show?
7:00
